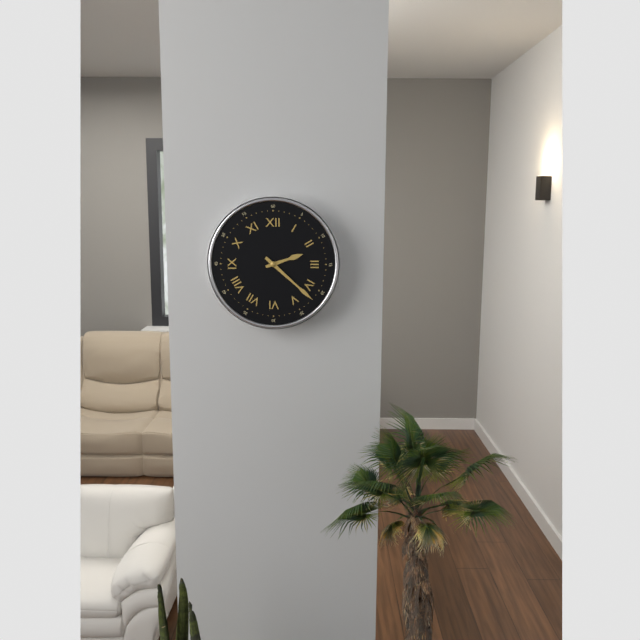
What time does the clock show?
2:22
